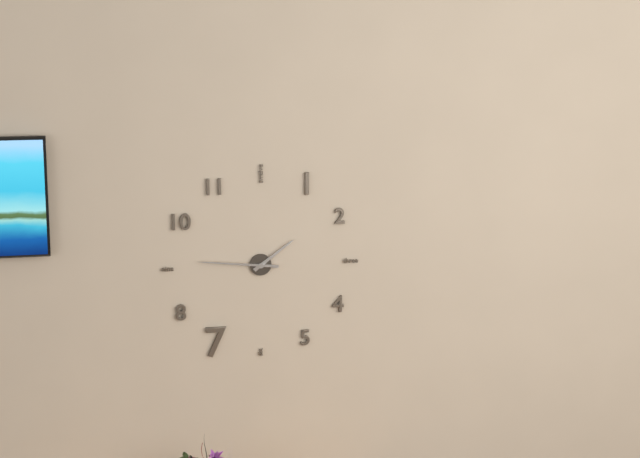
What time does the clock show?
1:46
